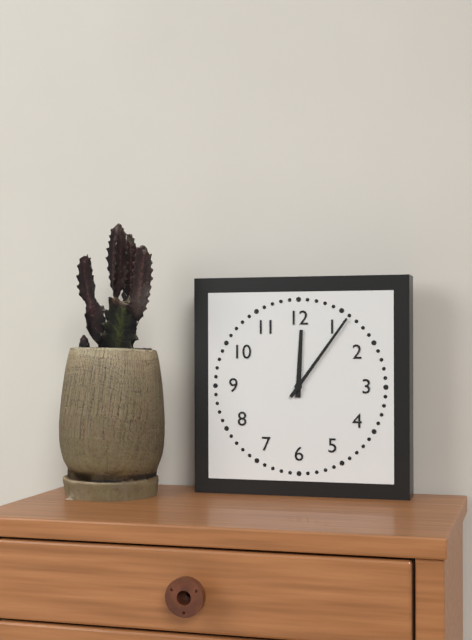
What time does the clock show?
12:06
